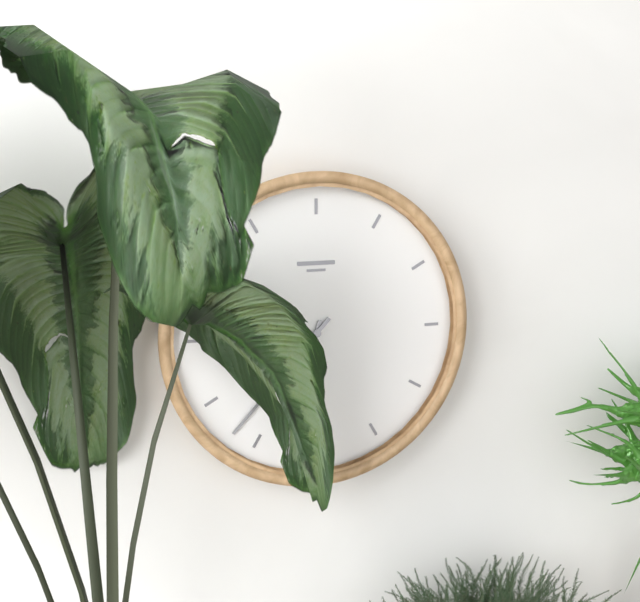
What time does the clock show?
6:37
